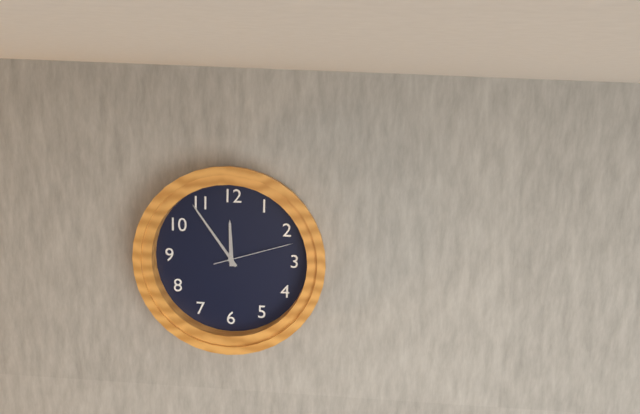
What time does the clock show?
11:54:12
